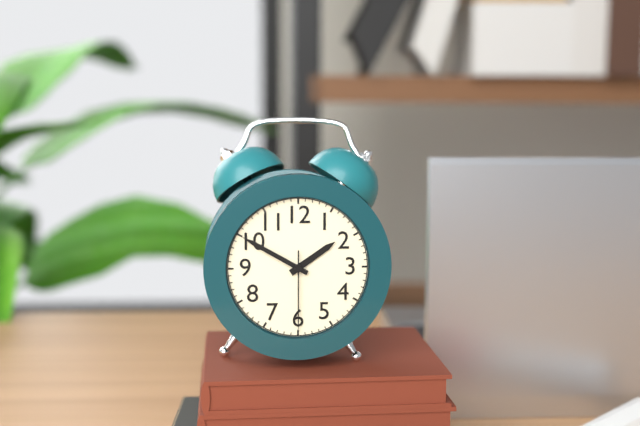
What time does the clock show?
1:50:30
